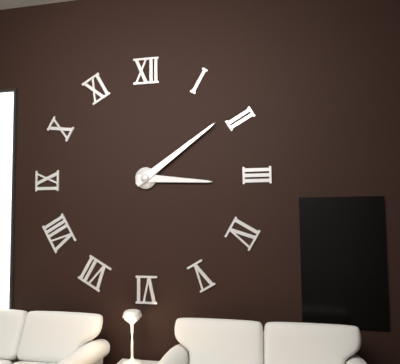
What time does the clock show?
3:09
